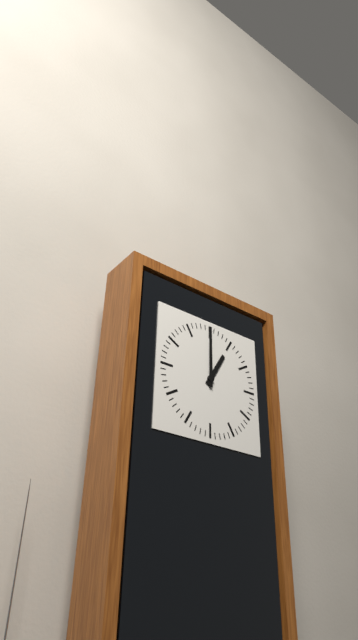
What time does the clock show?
1:00
